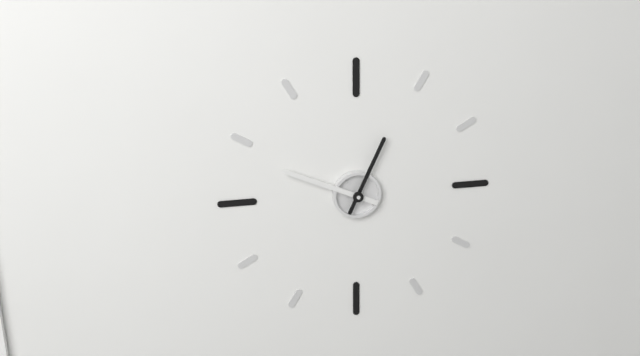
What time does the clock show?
12:49
